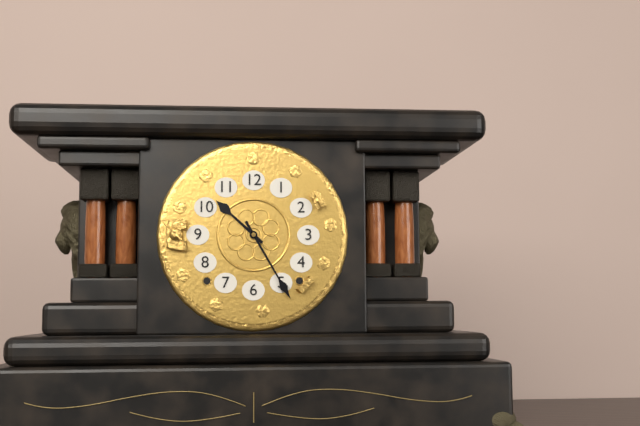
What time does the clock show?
10:25
